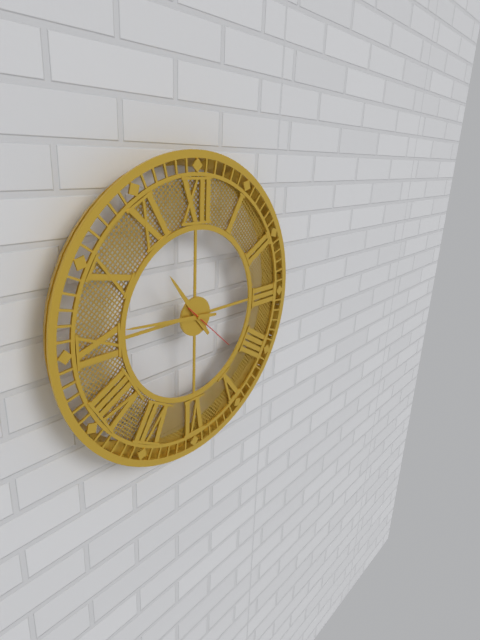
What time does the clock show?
10:46:22
